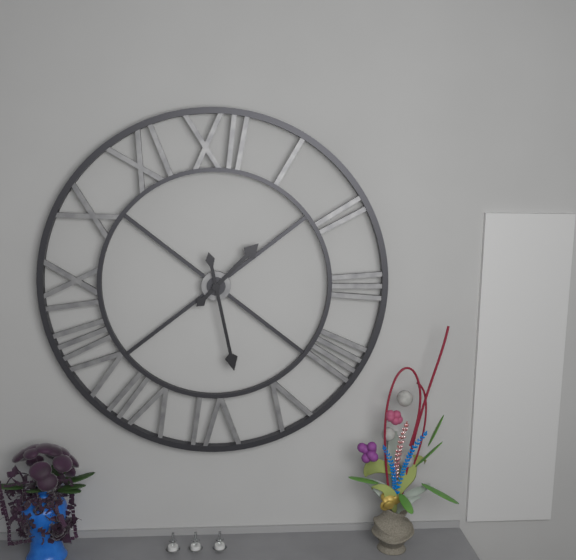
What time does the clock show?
1:28
